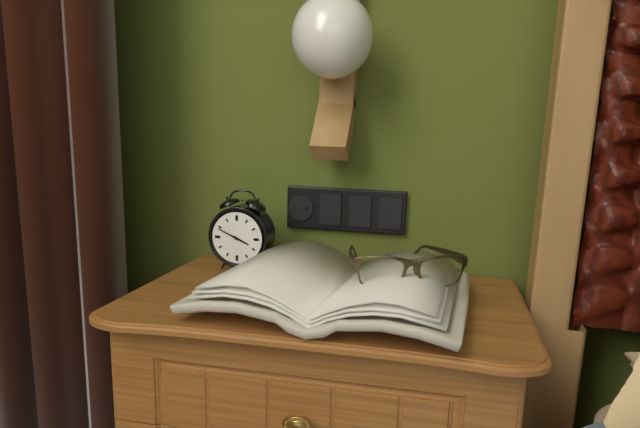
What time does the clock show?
3:49
